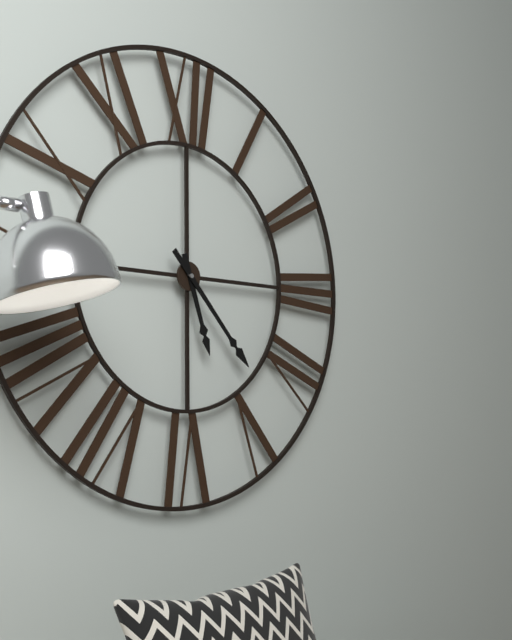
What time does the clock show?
5:23
